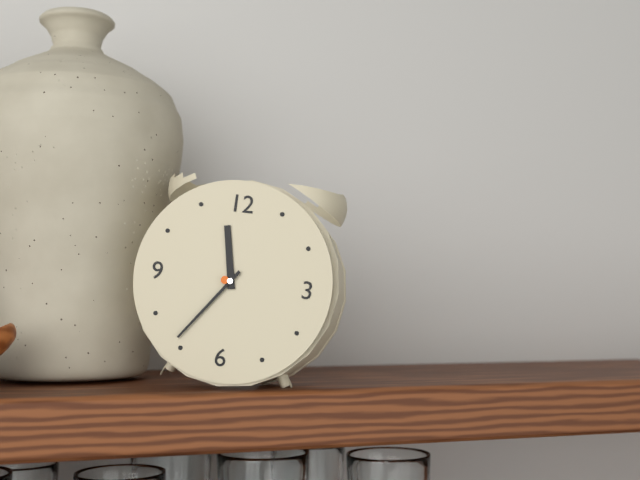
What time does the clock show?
11:36
